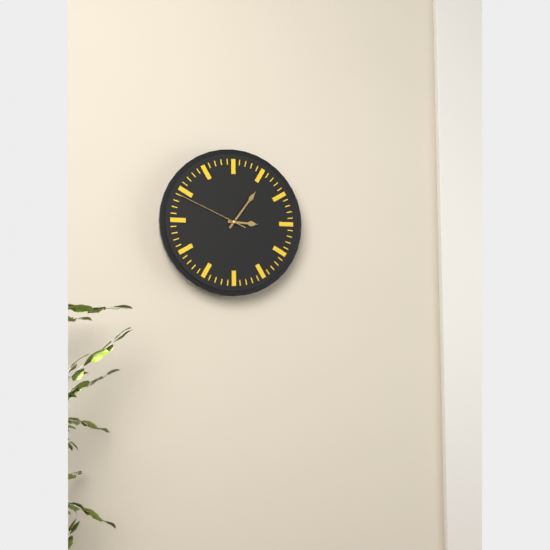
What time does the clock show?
3:06:49
